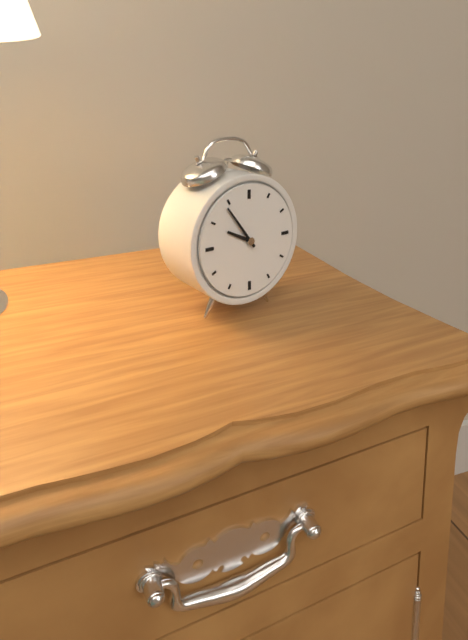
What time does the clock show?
9:54
